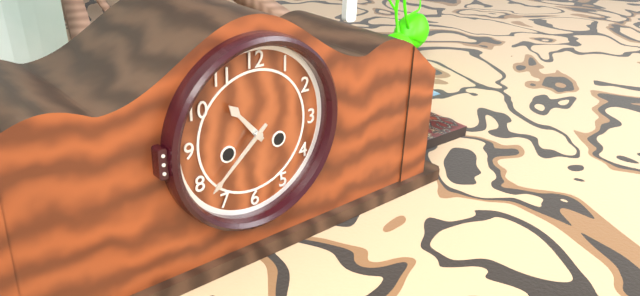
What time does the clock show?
10:38
